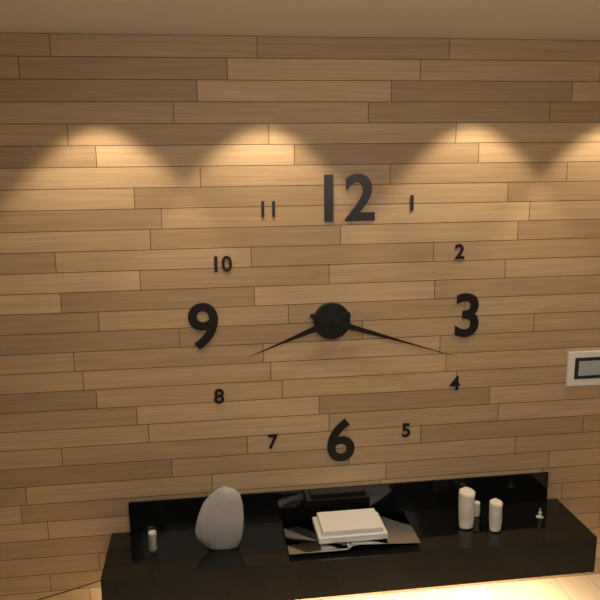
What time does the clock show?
8:18
